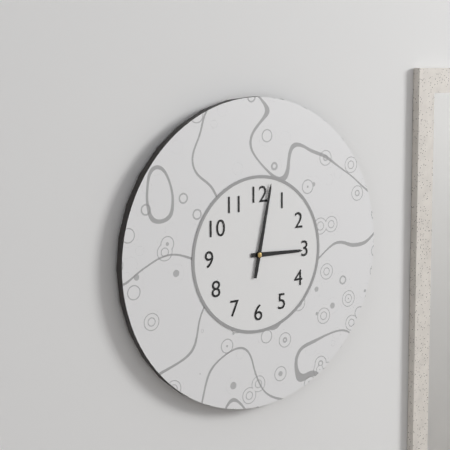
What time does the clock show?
3:02
